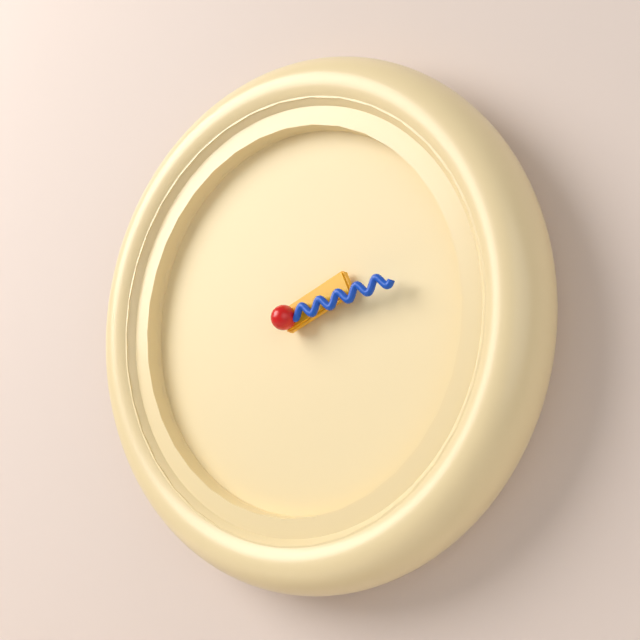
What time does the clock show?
2:13
